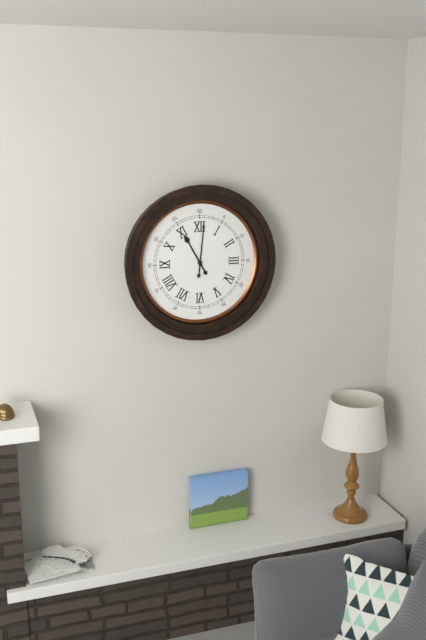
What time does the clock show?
11:01
